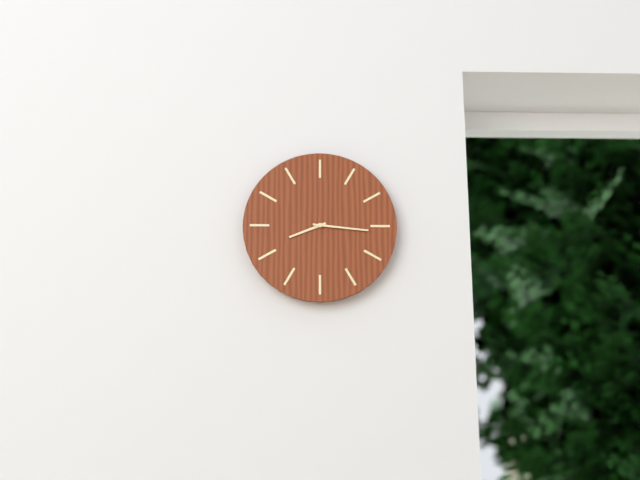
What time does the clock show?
8:16
